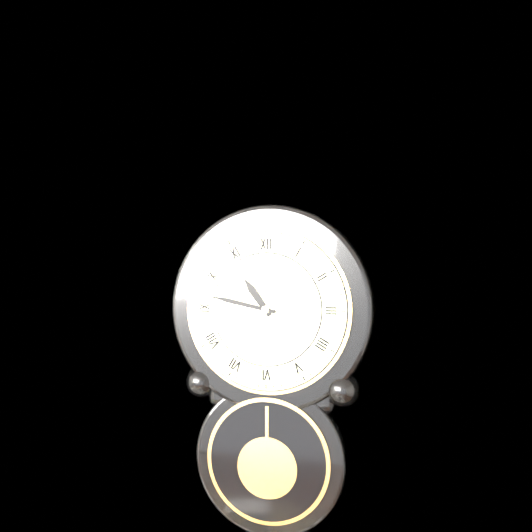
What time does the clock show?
10:47
